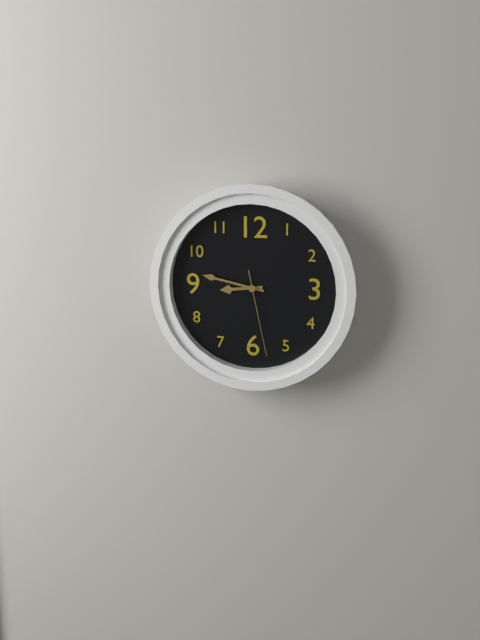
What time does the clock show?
8:47:28
